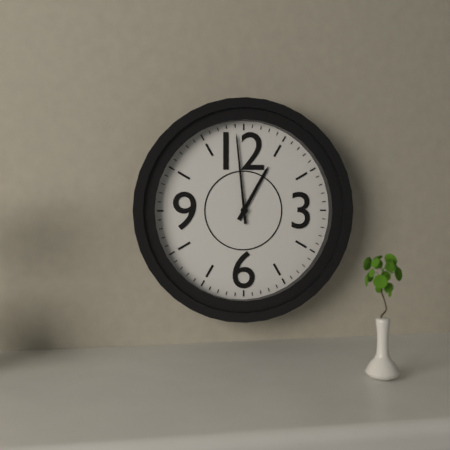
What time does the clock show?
12:59
